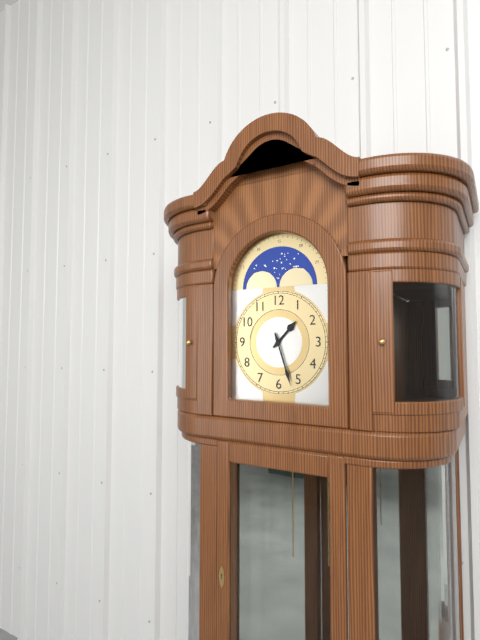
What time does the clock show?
1:27
